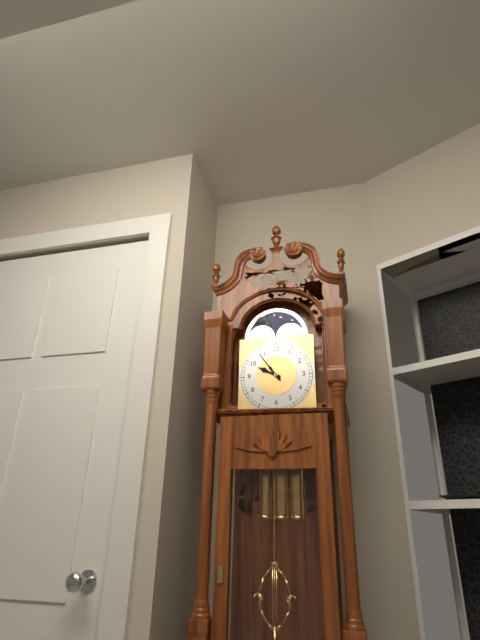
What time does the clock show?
9:54
